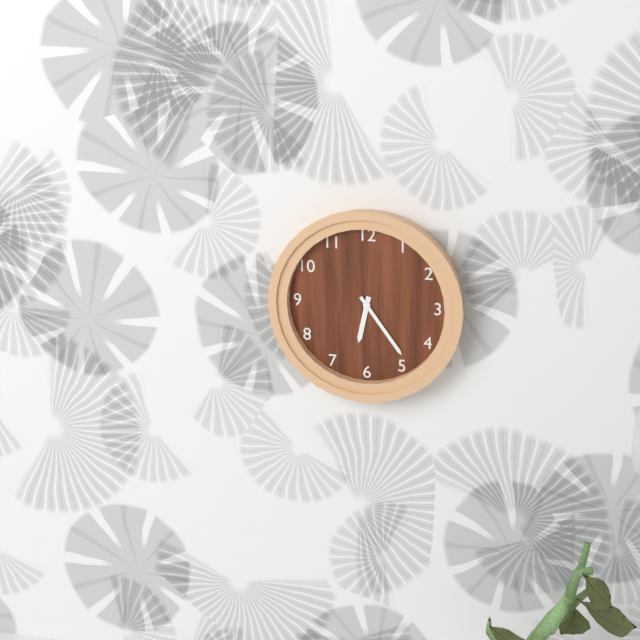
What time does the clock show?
6:24
